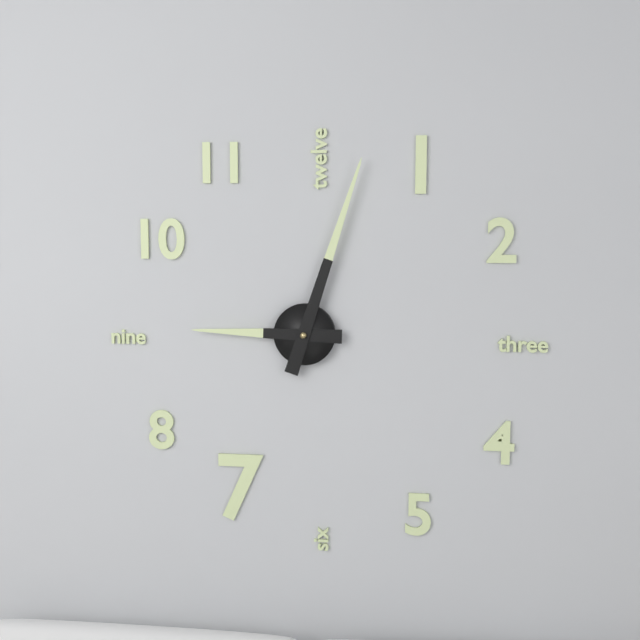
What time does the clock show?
9:03
